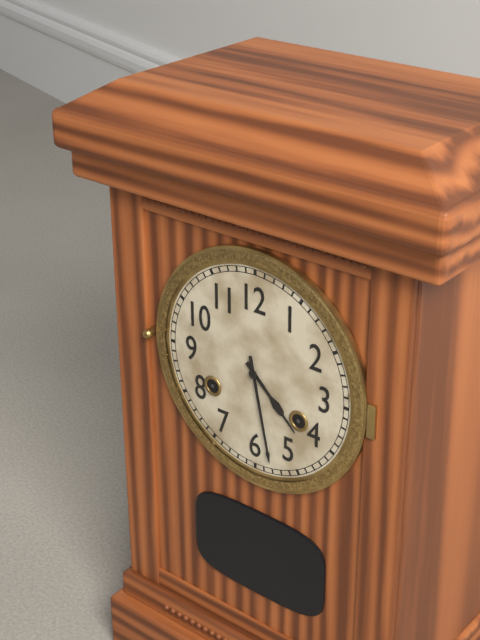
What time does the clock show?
4:28
